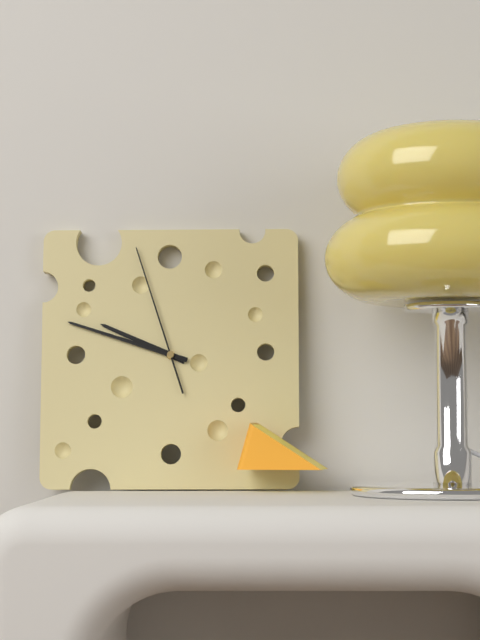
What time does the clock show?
9:48:57
